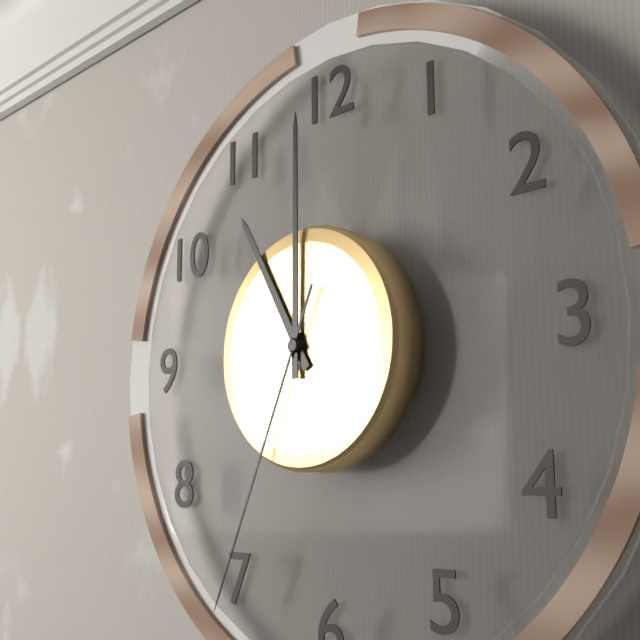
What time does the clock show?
11:00:34
